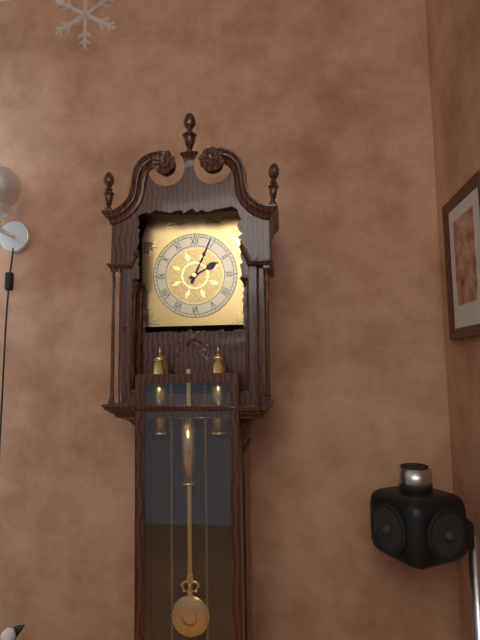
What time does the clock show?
2:04
